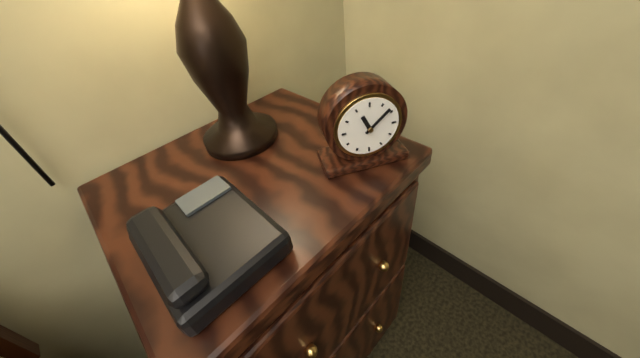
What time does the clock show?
11:08
